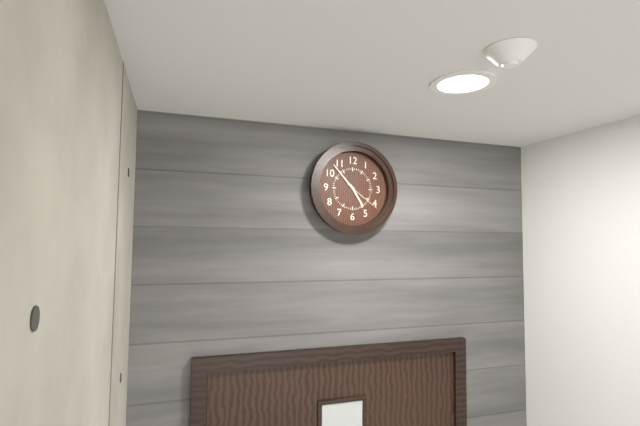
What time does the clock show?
4:53
